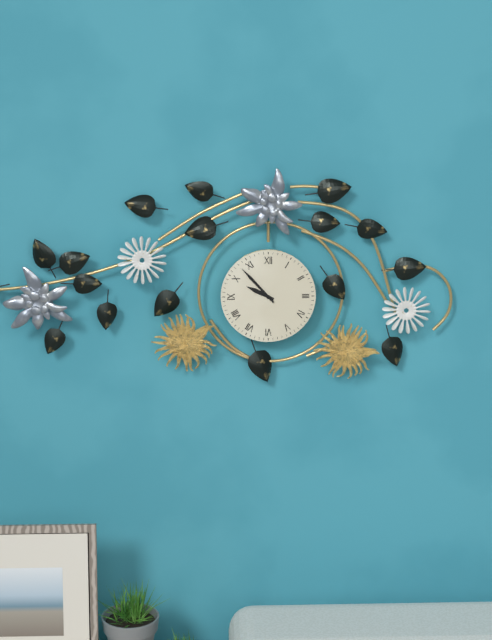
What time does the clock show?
9:53
